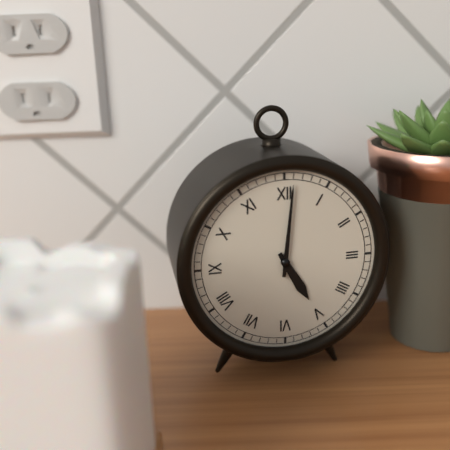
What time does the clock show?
5:01
